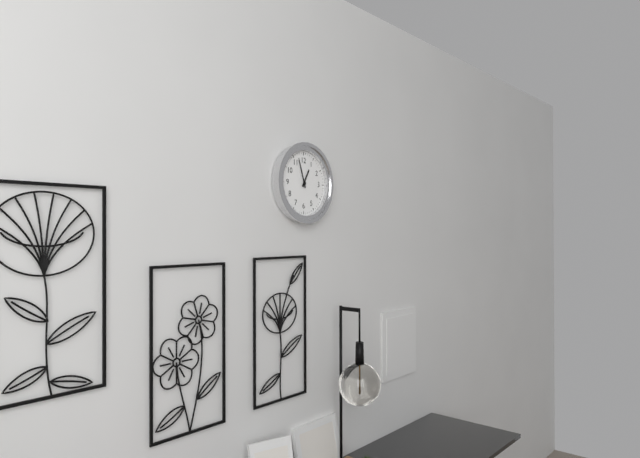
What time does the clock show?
12:57
